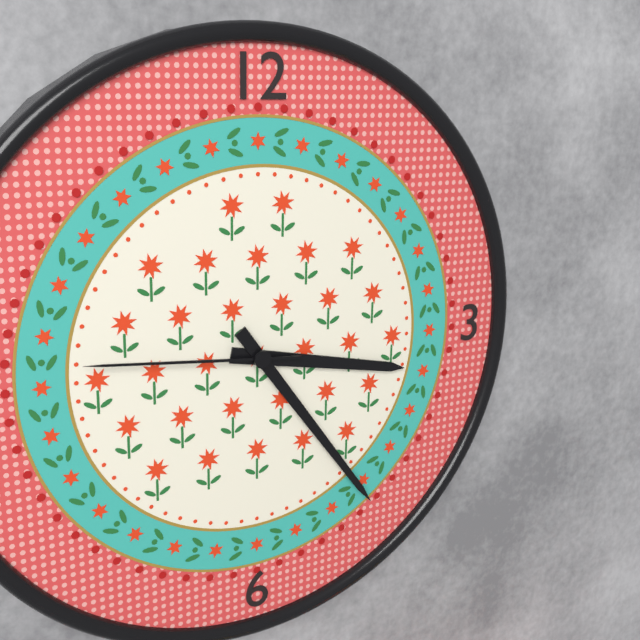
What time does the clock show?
3:24:46
